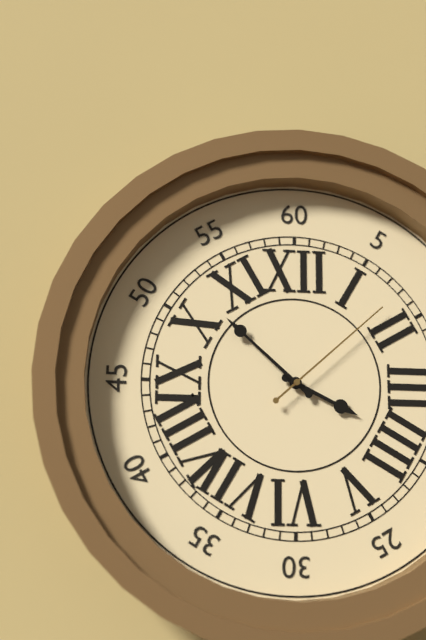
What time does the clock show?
3:52:08
